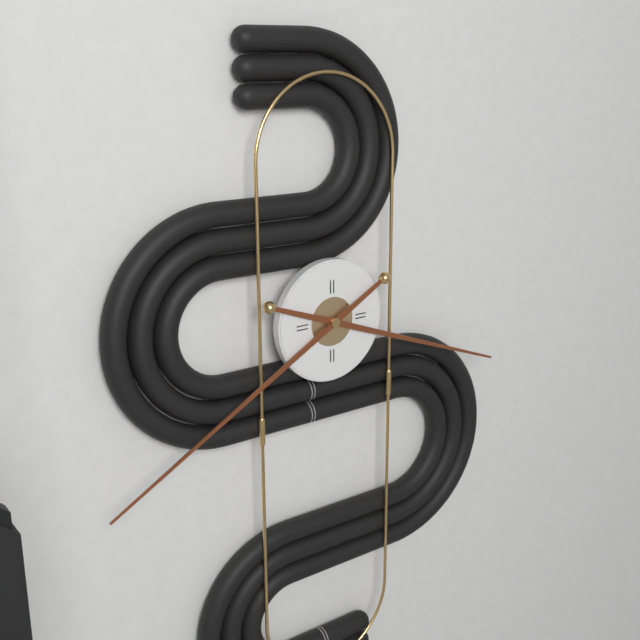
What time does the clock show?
3:40
